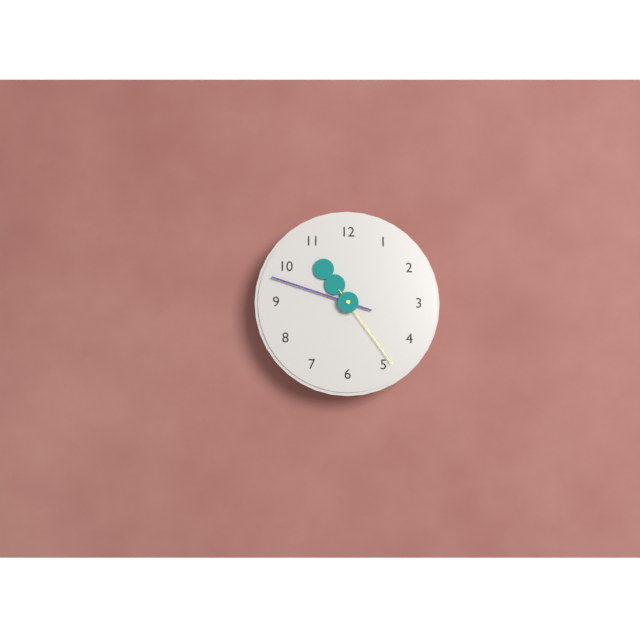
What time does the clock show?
10:48:24
